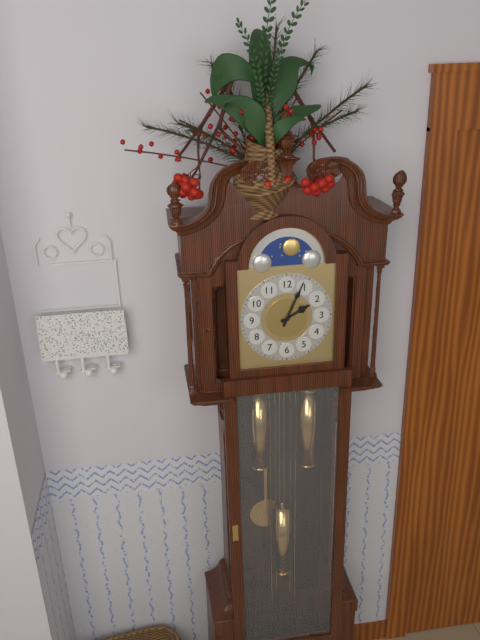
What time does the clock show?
2:04
